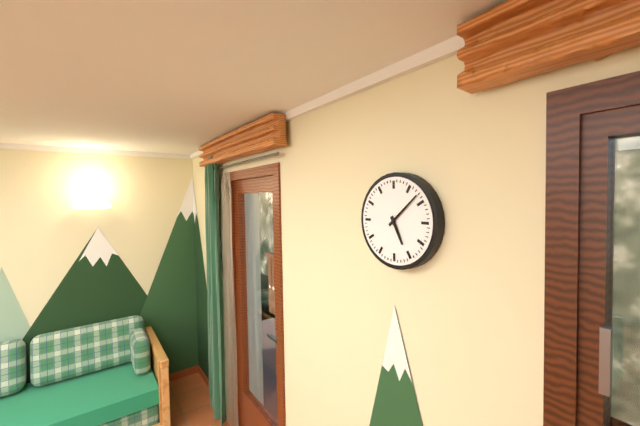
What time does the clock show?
5:08
